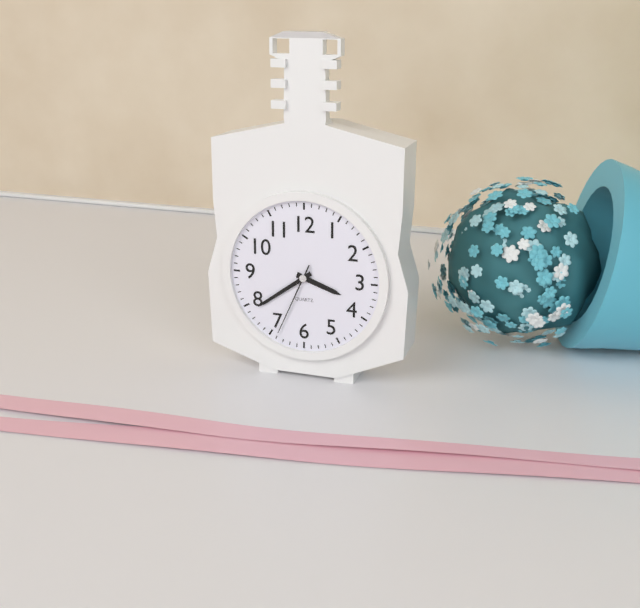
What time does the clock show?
3:39:34
